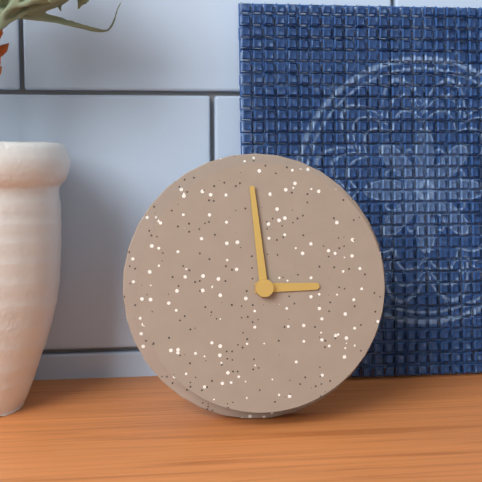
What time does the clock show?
2:59
